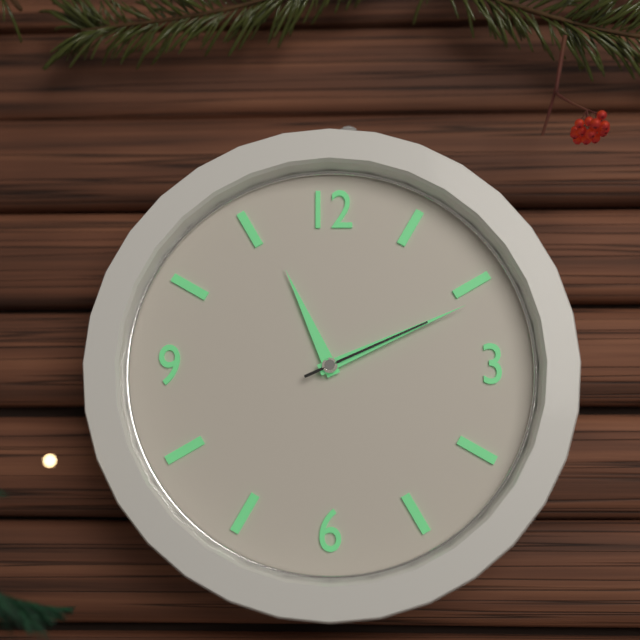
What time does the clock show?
11:11:11
